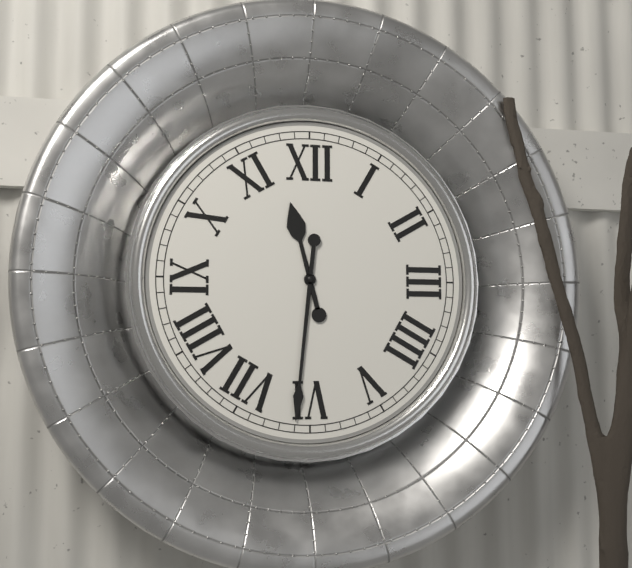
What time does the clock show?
11:31
